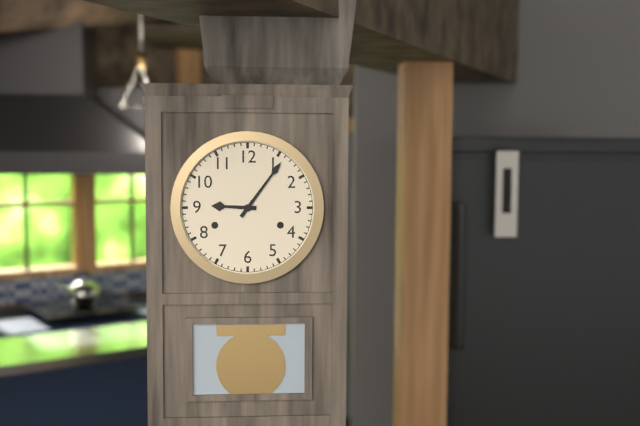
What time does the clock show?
9:06
